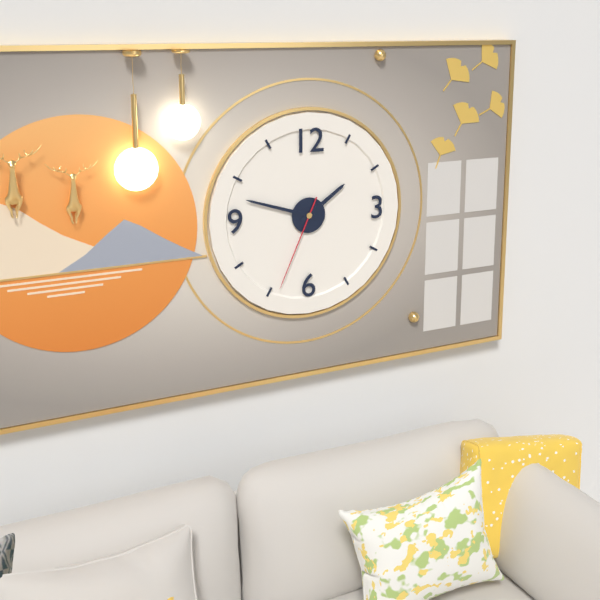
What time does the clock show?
1:48:34
